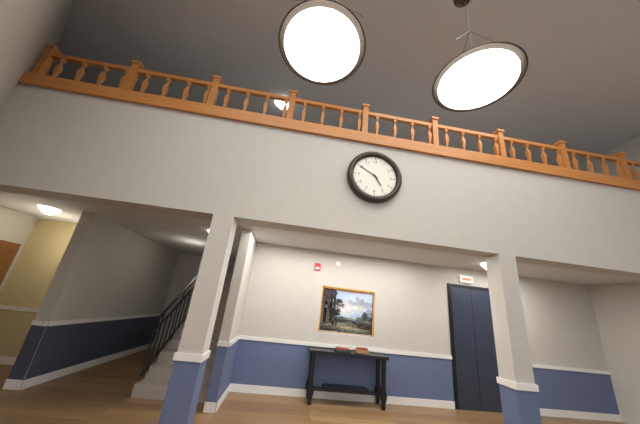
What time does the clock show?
4:50
